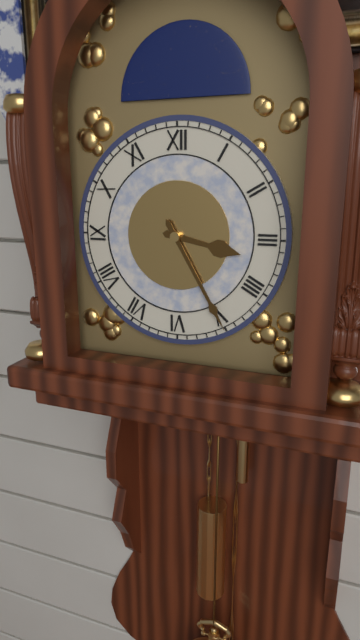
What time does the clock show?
3:25
